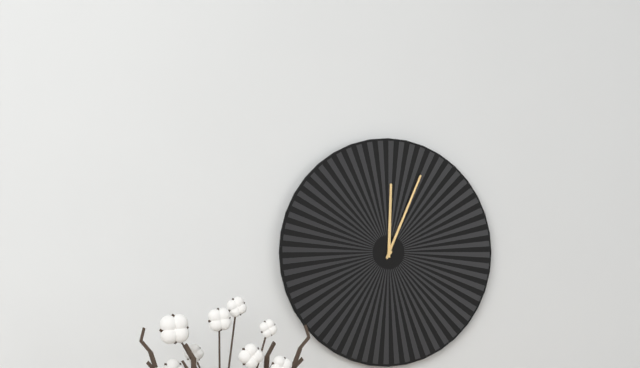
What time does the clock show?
12:04
